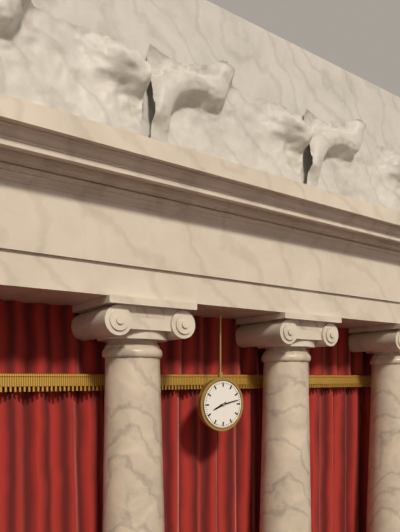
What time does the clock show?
8:13
